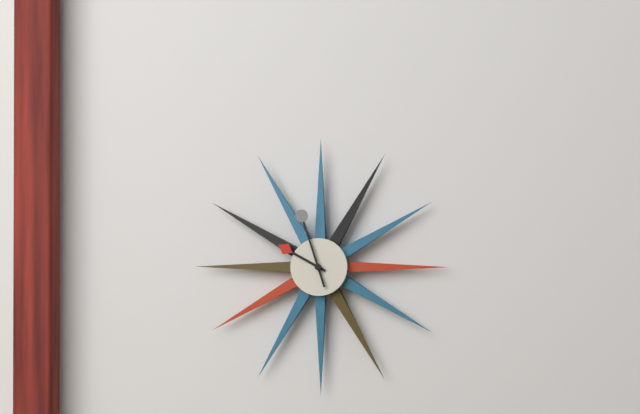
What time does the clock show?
9:57
